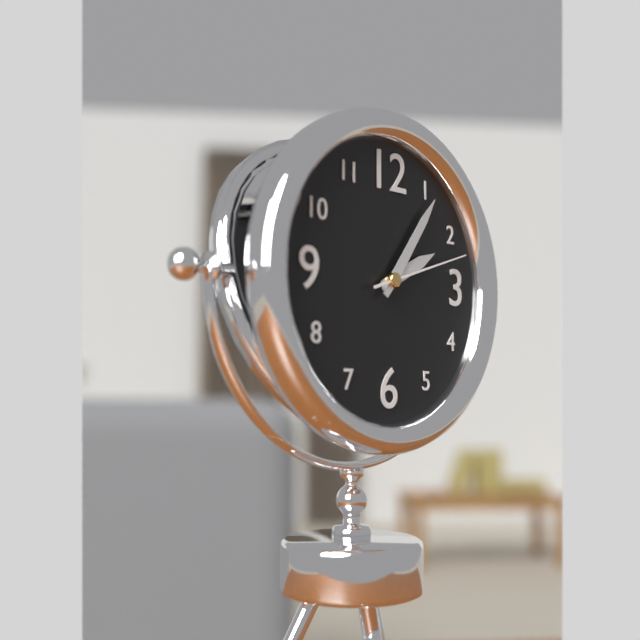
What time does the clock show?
2:06:12
